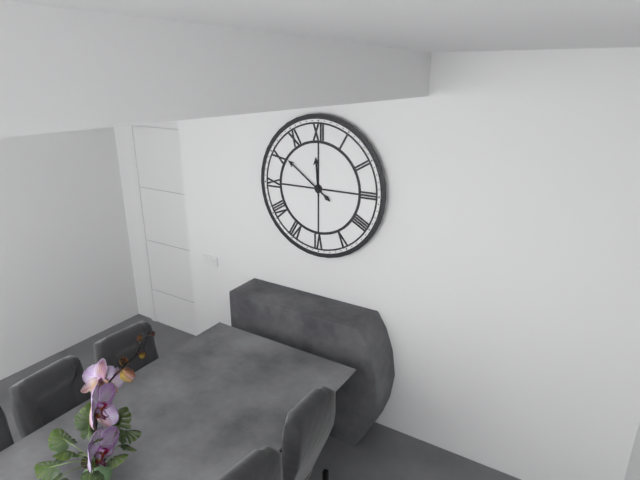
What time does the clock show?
11:51
